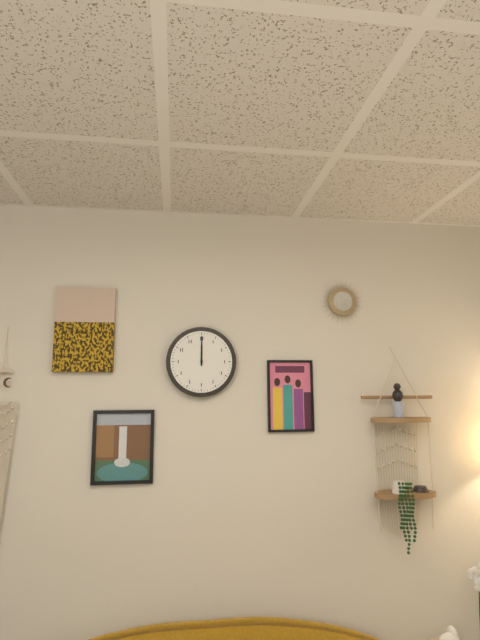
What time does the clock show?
12:00
